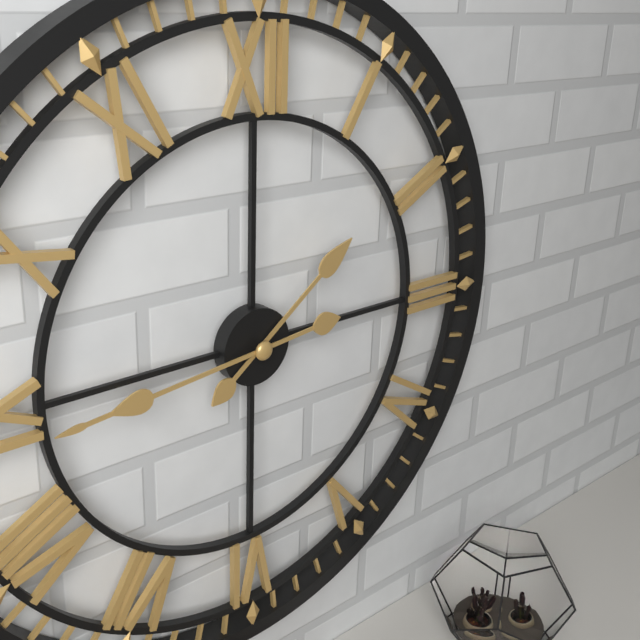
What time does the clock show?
1:44
